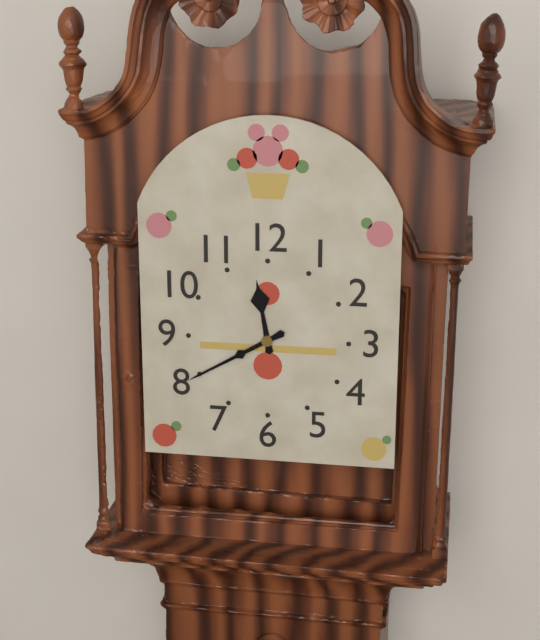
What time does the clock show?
11:40
